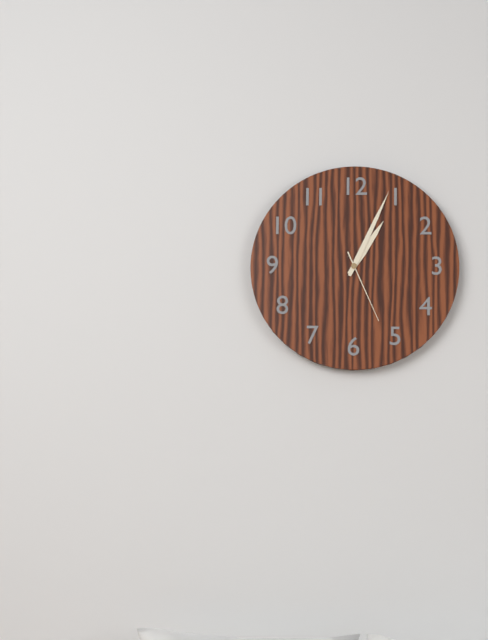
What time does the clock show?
1:04:26
